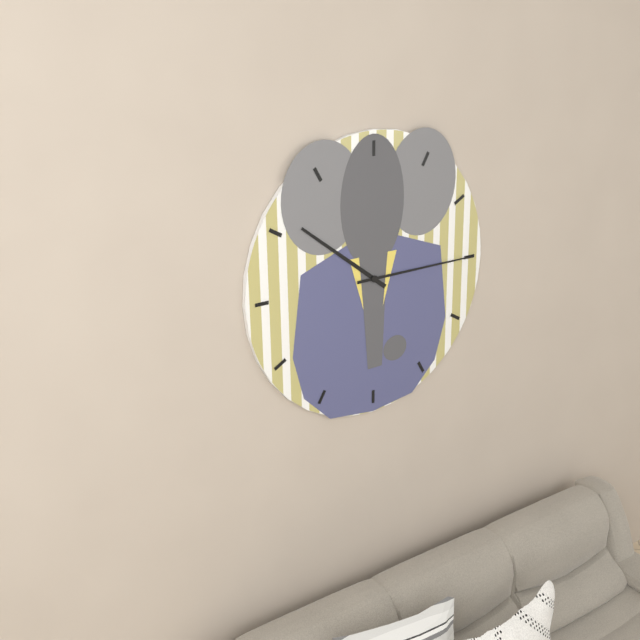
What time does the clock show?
10:15
